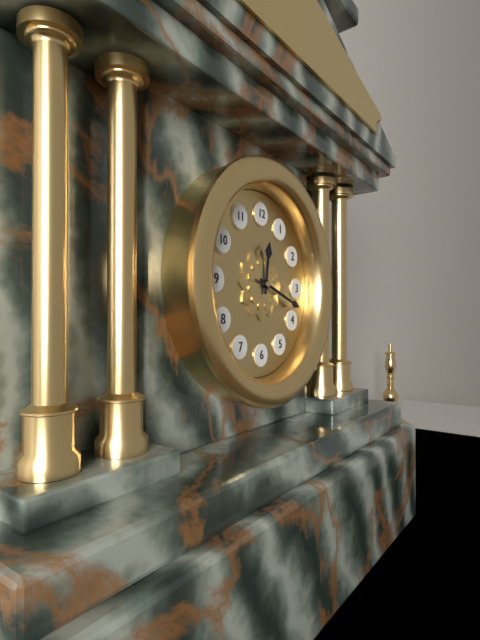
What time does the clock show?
12:18
